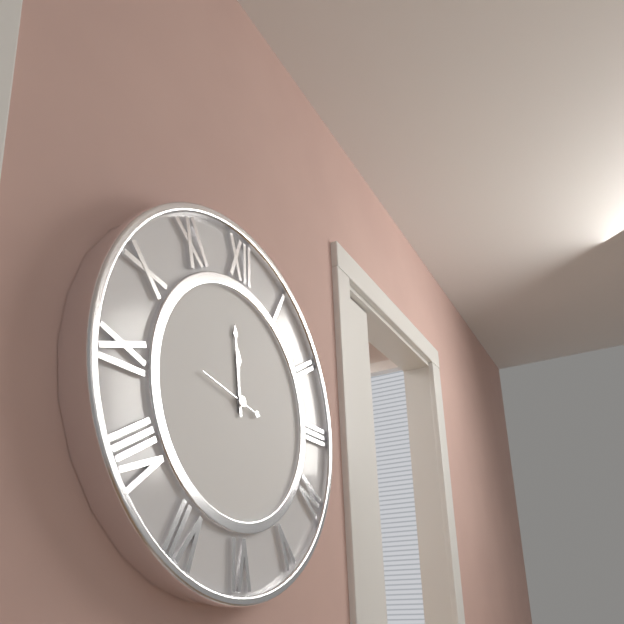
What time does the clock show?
11:59:47
